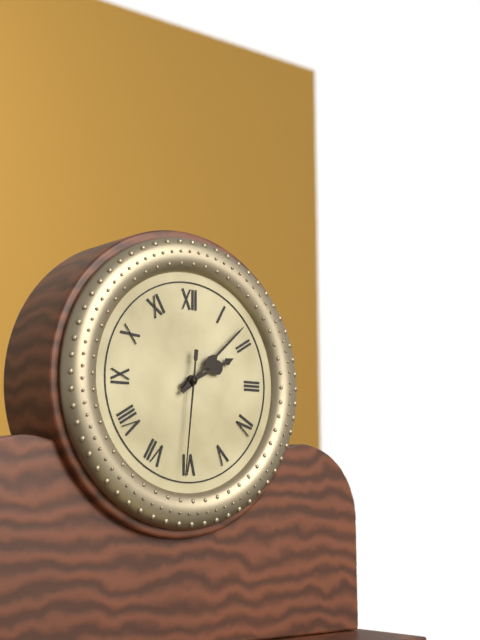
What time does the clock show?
2:08:31
